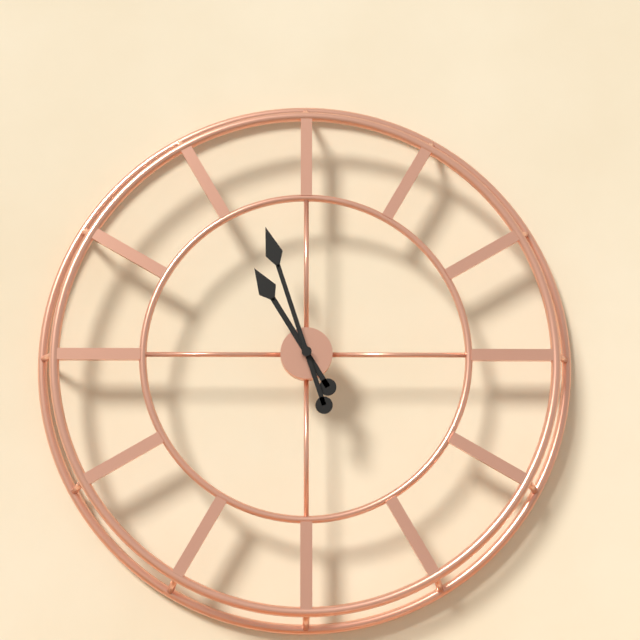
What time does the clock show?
10:57
